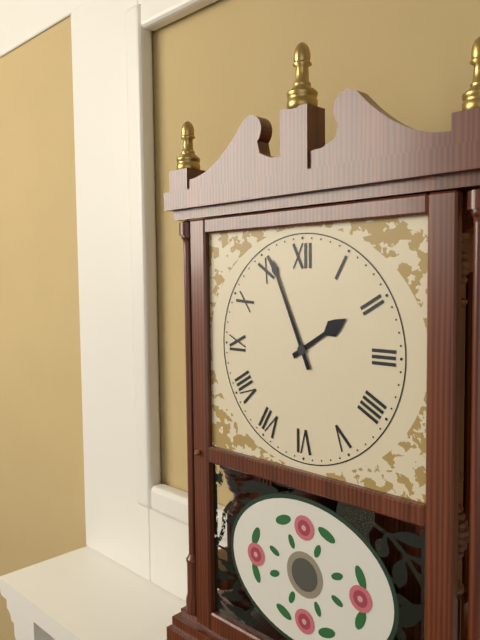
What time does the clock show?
1:56
